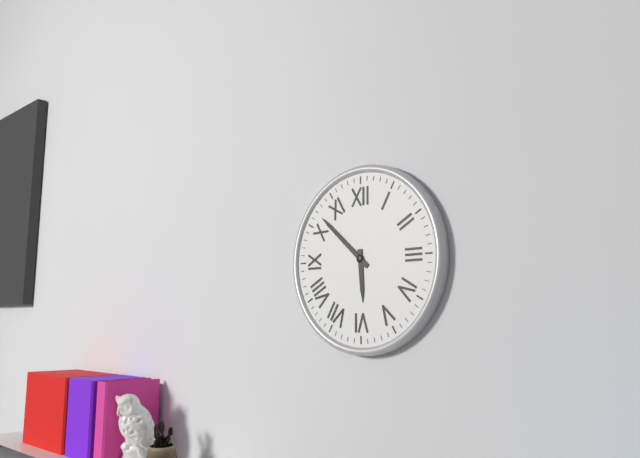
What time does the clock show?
5:52
